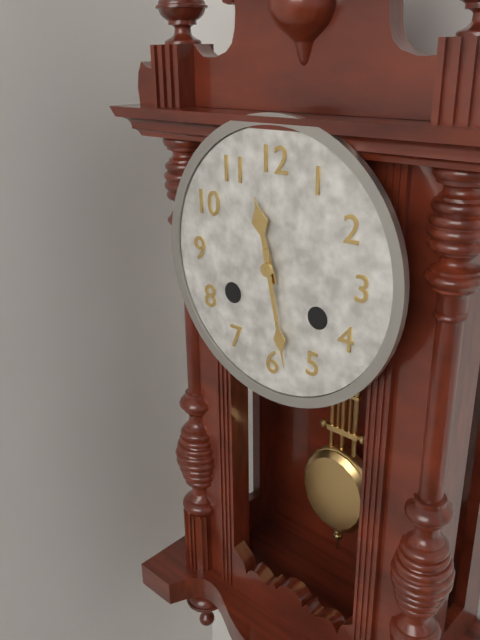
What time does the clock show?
11:28
